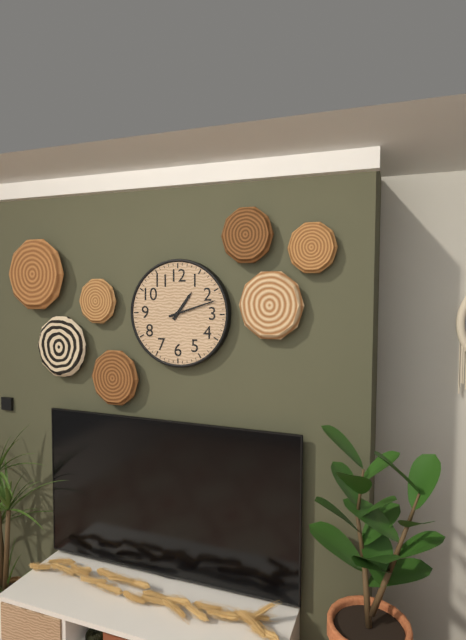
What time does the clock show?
1:12
